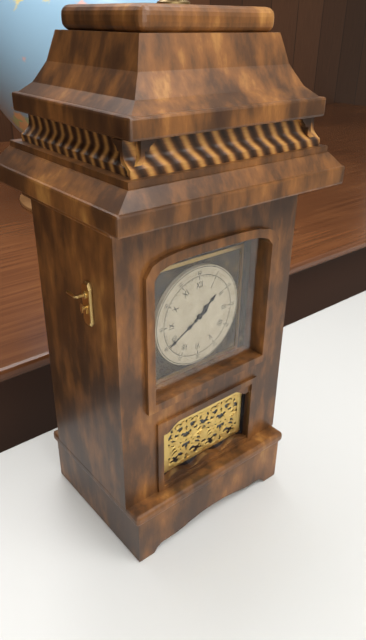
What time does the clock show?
1:40
